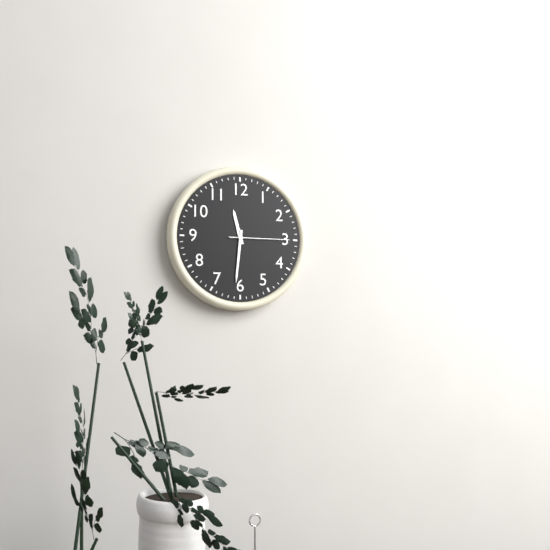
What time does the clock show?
11:31:15
